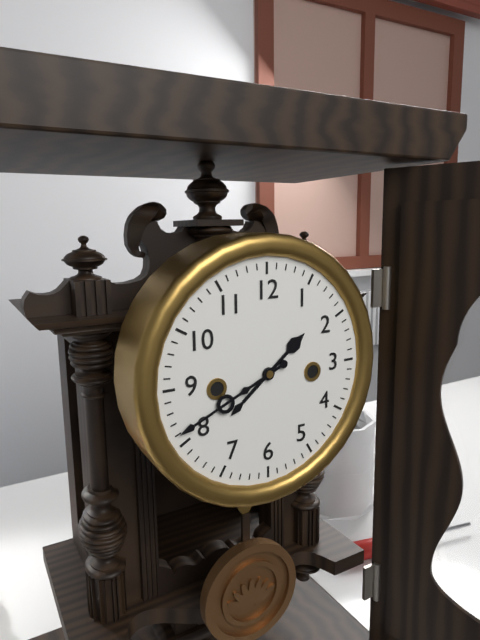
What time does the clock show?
1:41
